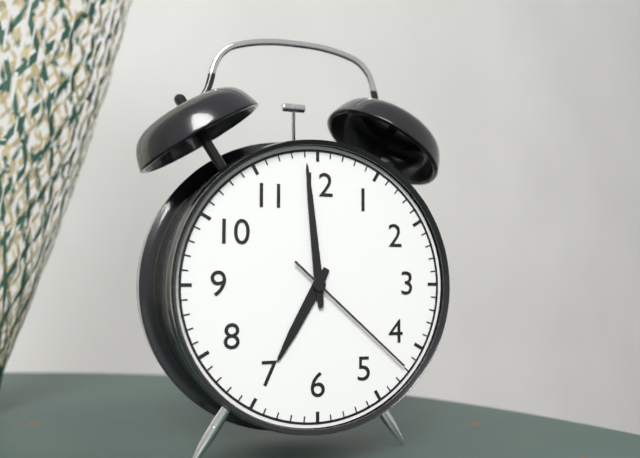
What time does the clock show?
6:59:22
